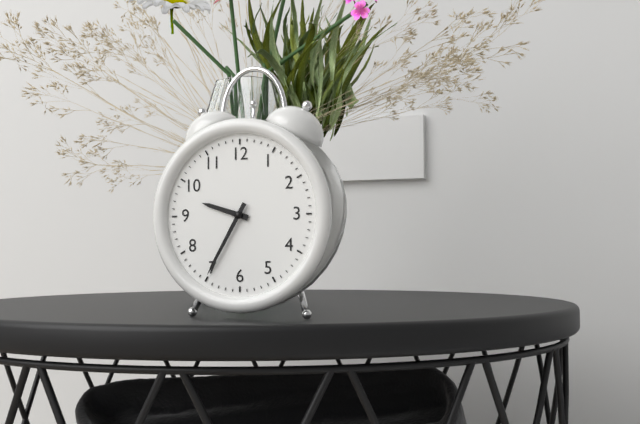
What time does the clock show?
9:35
